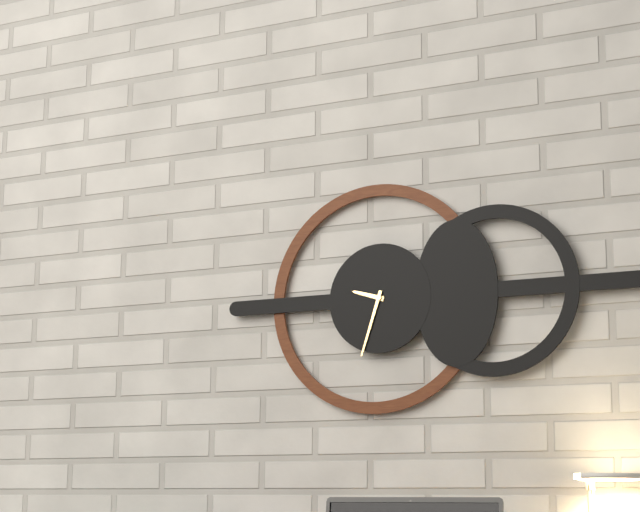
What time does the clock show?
9:33
